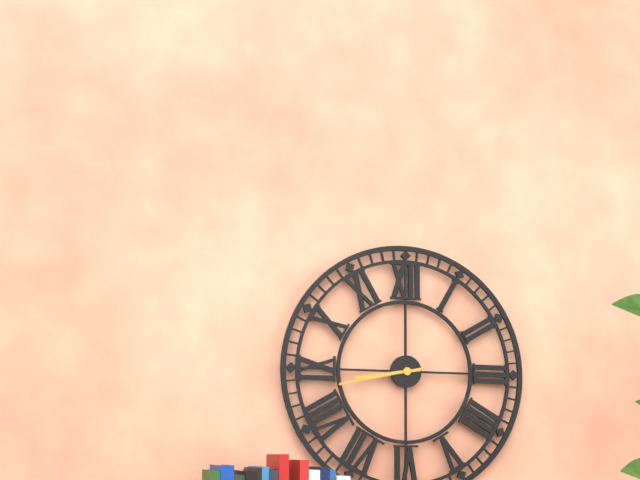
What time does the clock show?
8:43
